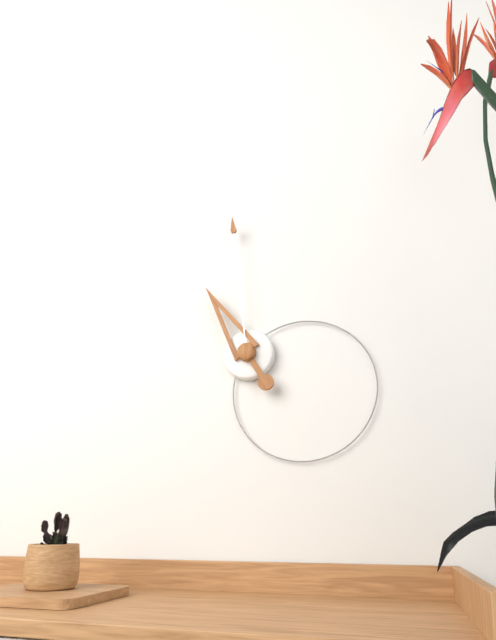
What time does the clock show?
10:59
